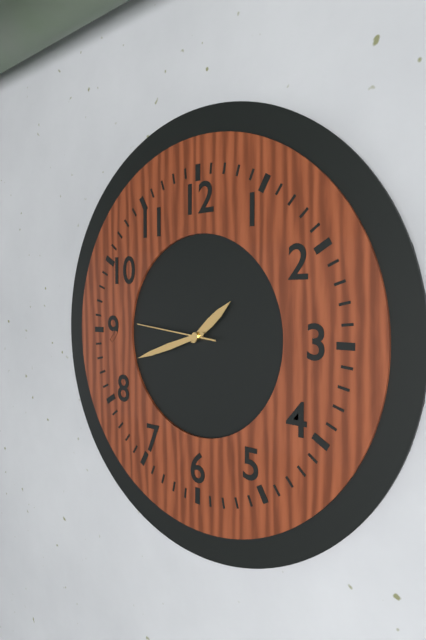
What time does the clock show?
1:42:46
